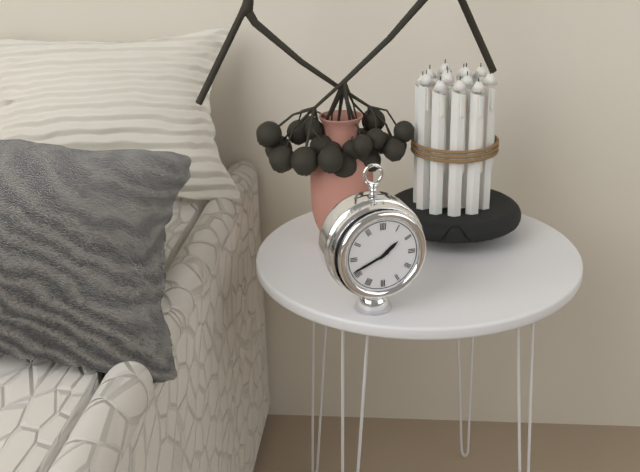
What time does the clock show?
1:41
